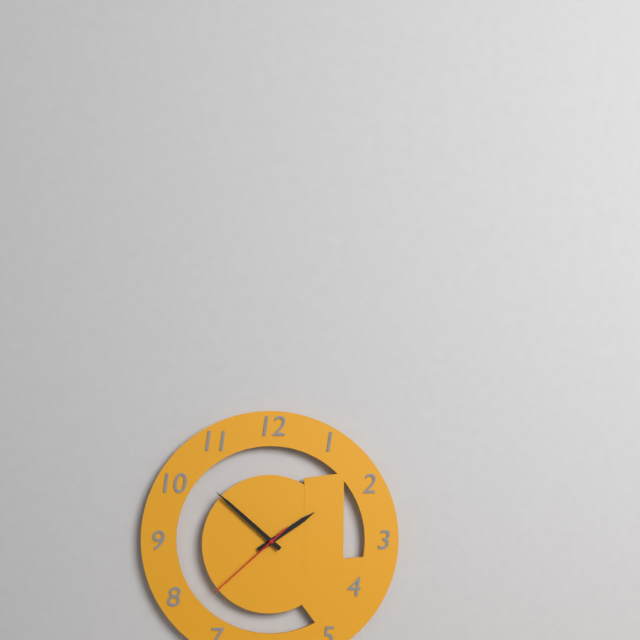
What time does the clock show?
1:52:38
